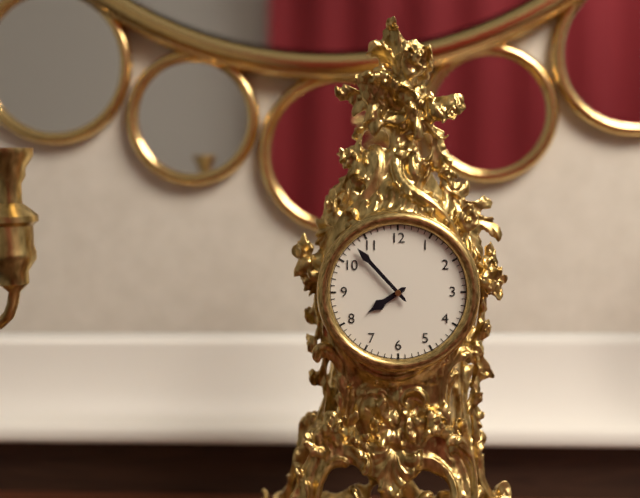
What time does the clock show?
7:53
